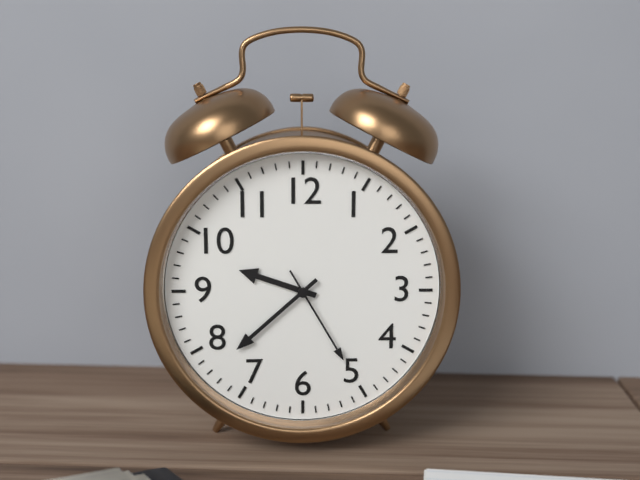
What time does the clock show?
9:38:25
